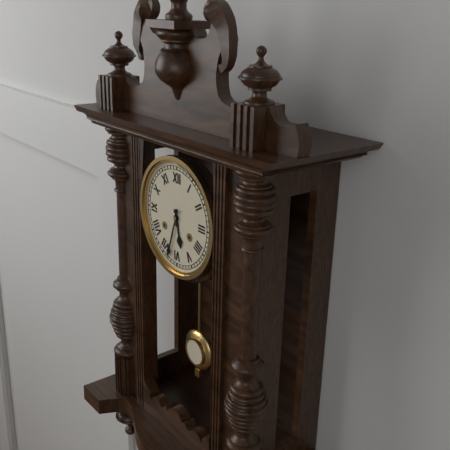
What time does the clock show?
5:33
